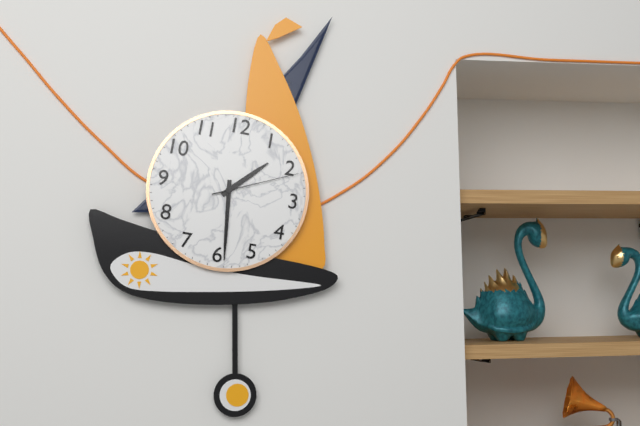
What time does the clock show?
1:29:11
